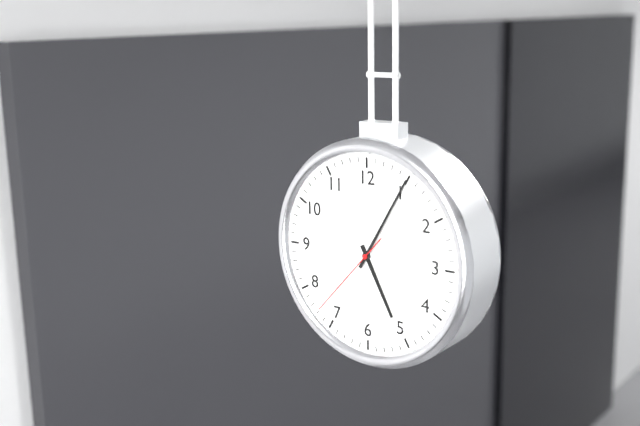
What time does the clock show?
5:05:37
